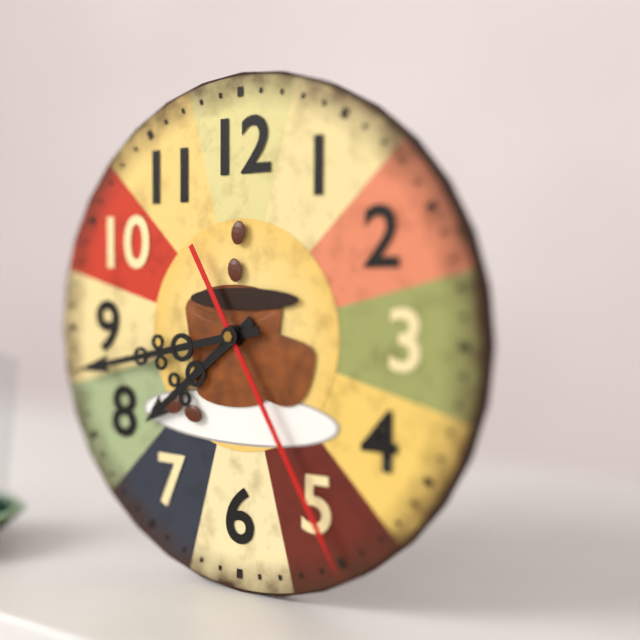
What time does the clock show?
7:43:25
